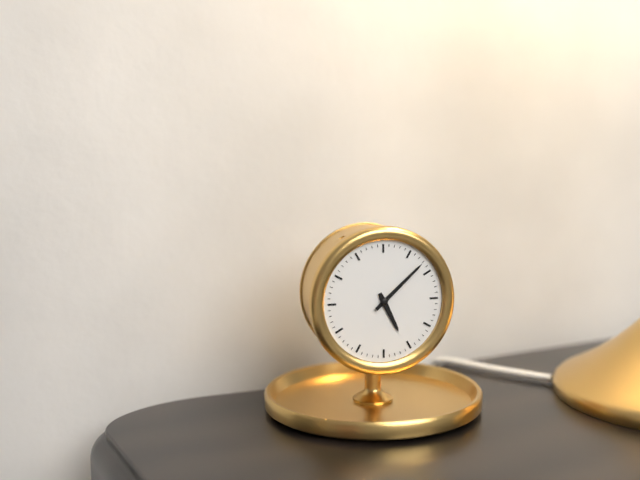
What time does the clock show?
5:08
